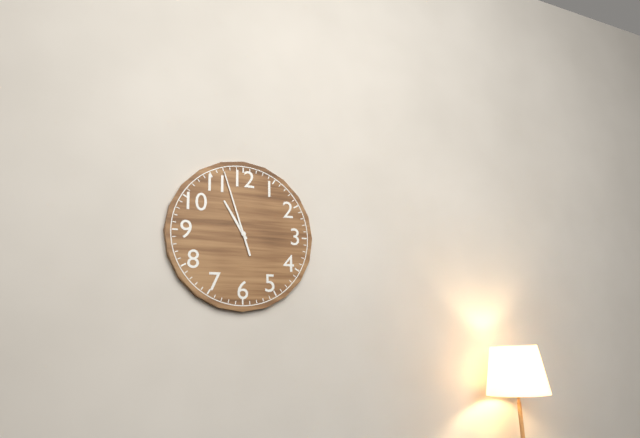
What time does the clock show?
10:57
